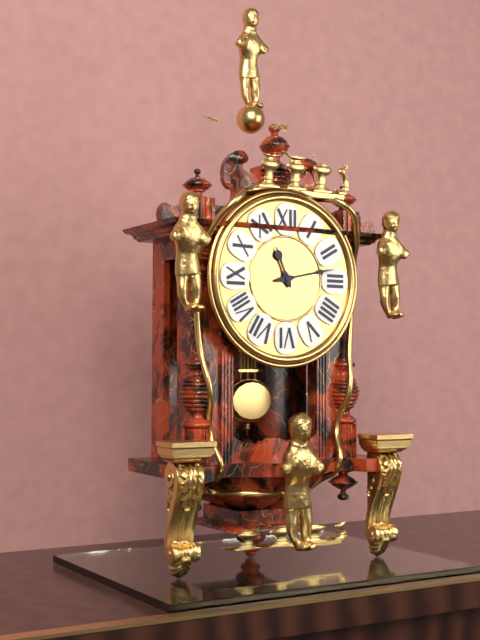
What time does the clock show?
11:13
